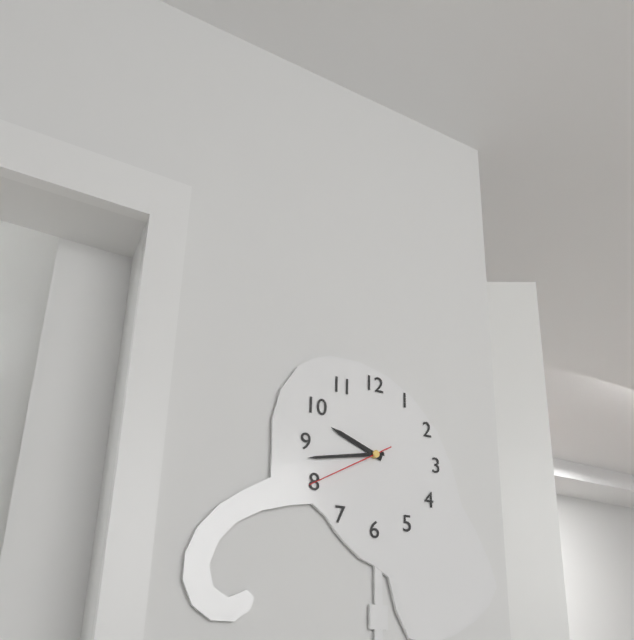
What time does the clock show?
9:43:40
